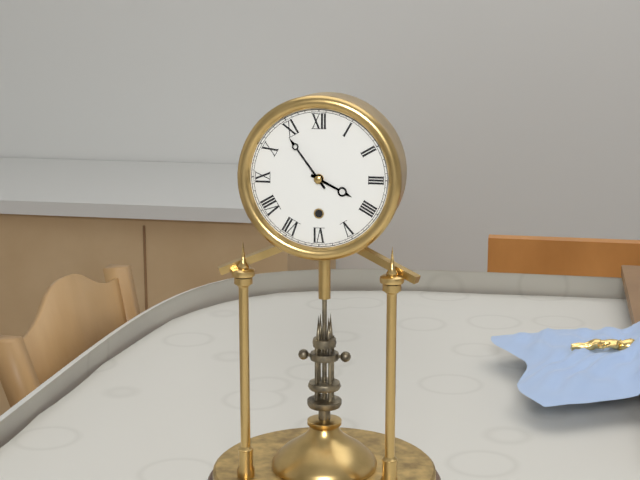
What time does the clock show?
3:54
